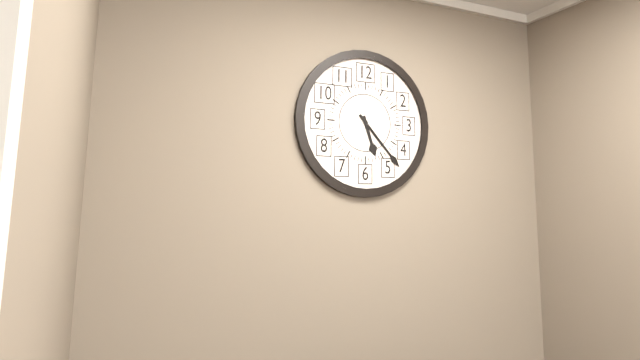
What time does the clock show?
5:23
